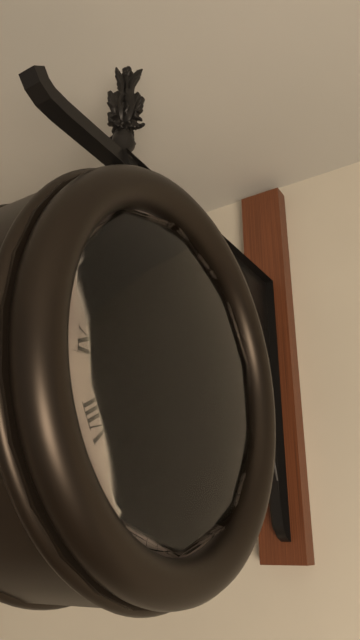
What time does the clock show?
4:58:44
